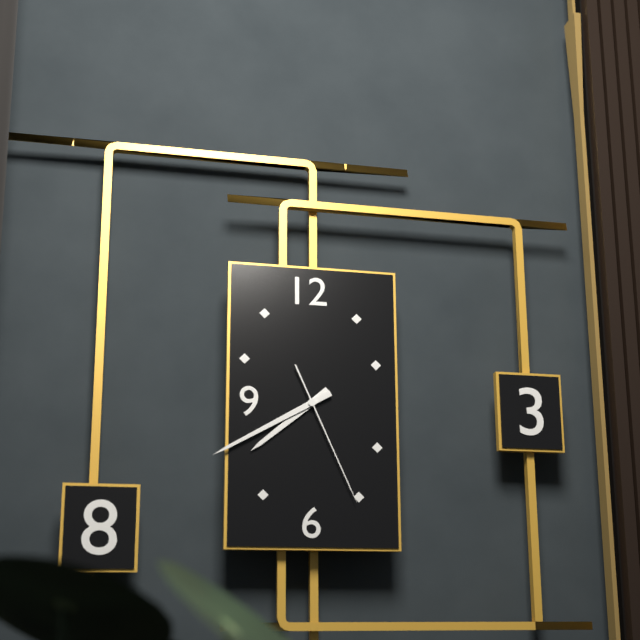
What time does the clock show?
7:40:26
